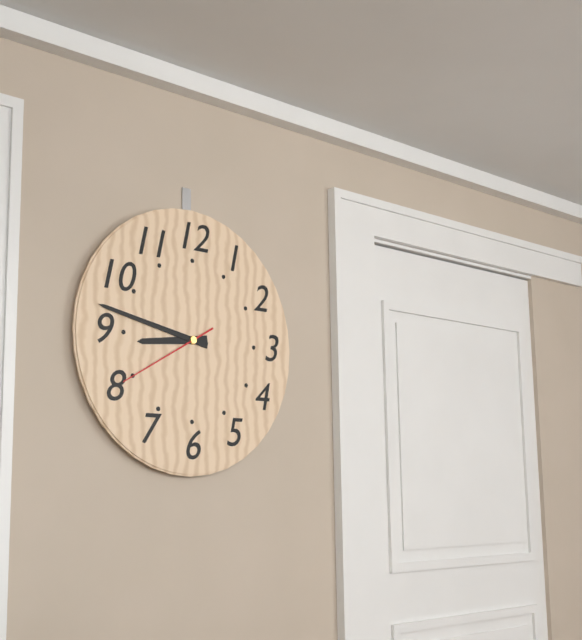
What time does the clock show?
8:47:40
